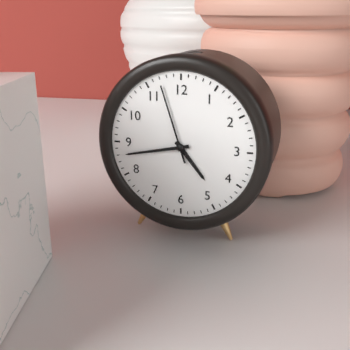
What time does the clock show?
4:43:57
